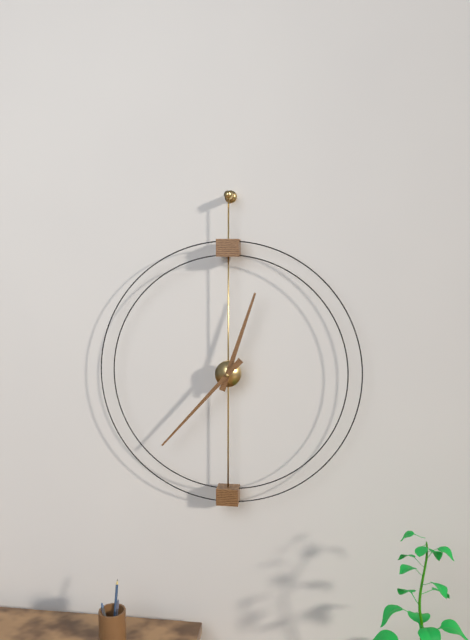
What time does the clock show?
12:37
